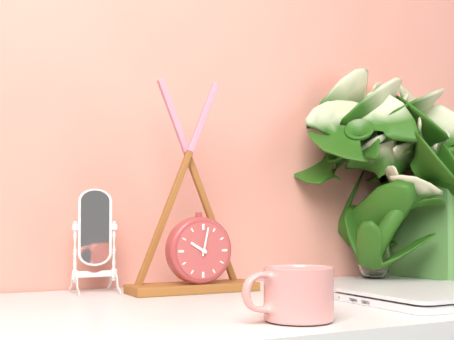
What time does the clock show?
10:02
